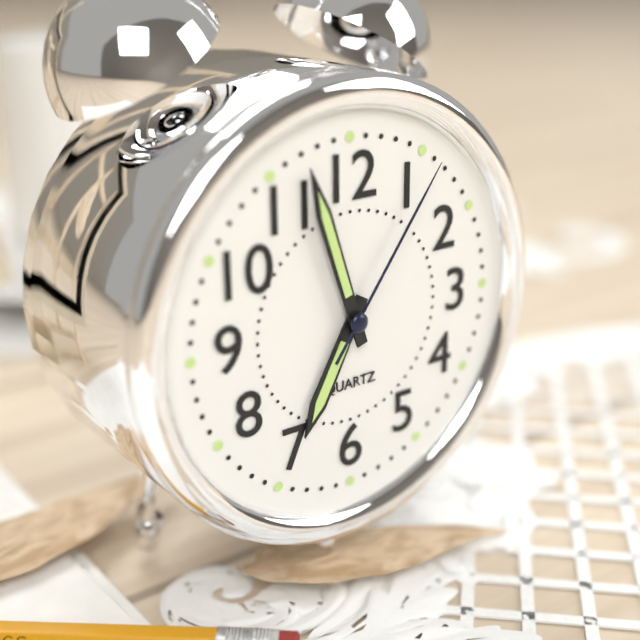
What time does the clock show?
6:57:06
